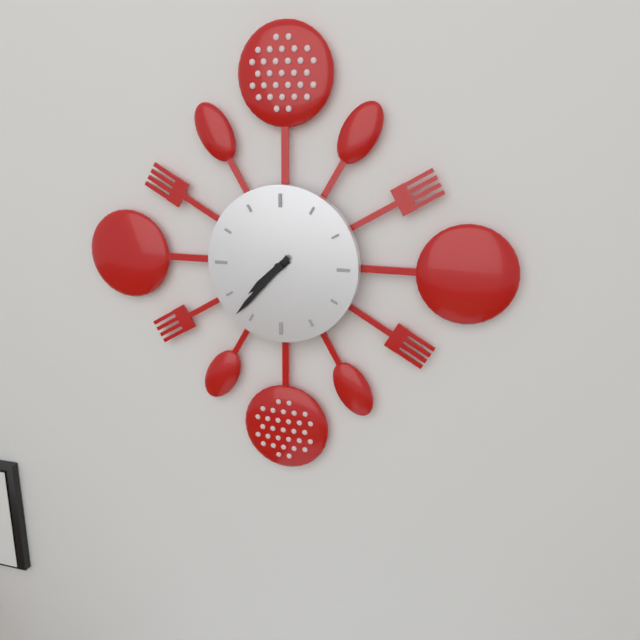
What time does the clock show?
7:37
